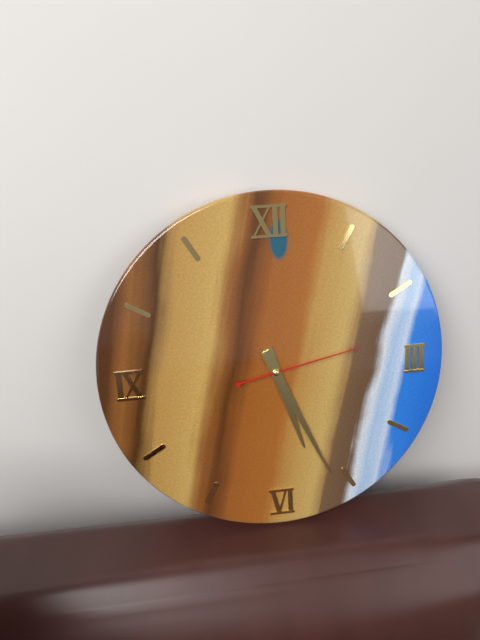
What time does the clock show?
5:26:13
